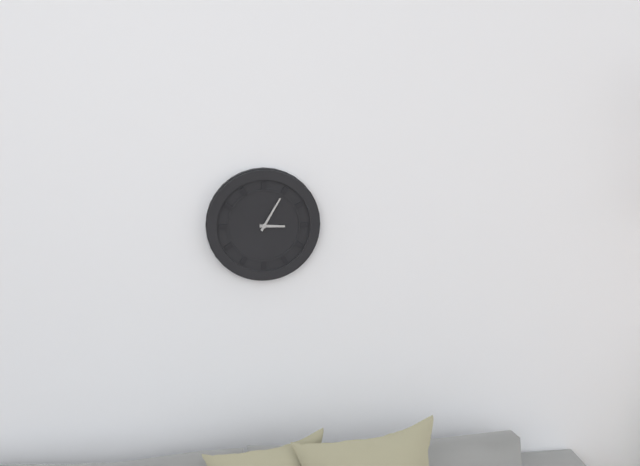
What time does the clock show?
3:05
